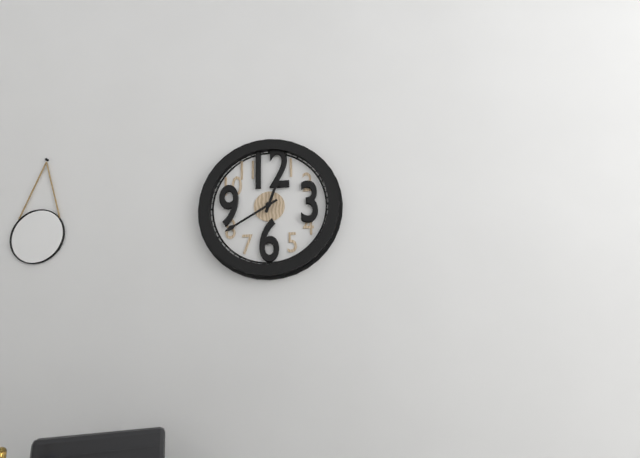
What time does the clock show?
12:40
